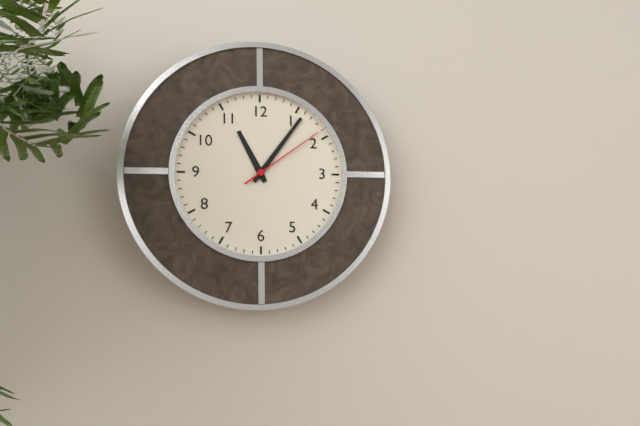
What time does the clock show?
11:06:09
